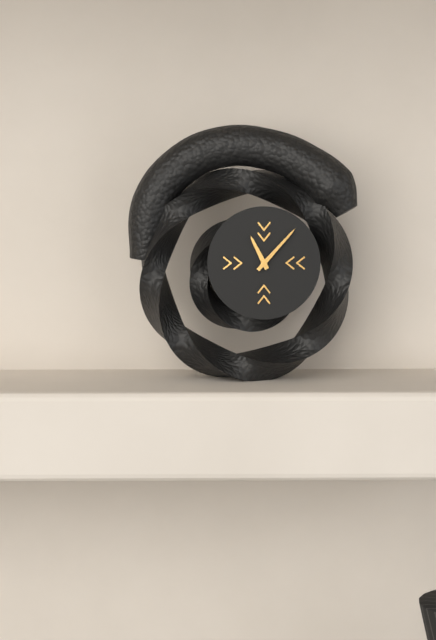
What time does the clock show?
11:07
